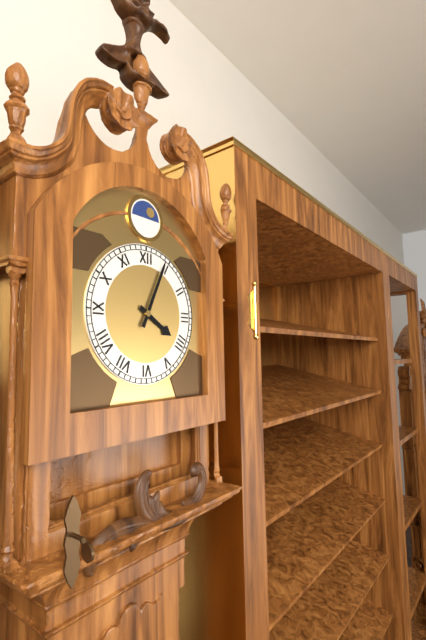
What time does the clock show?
4:04
